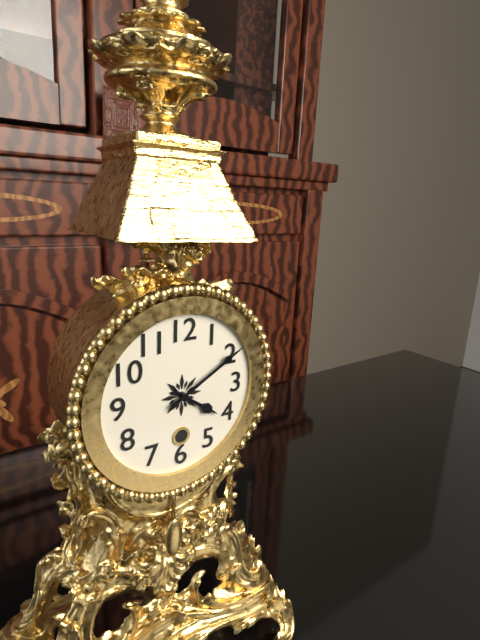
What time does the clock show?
4:10
